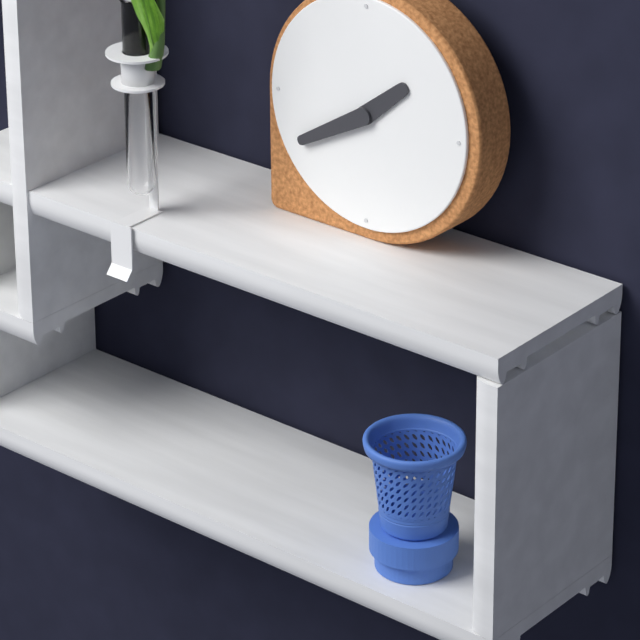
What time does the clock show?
1:40
